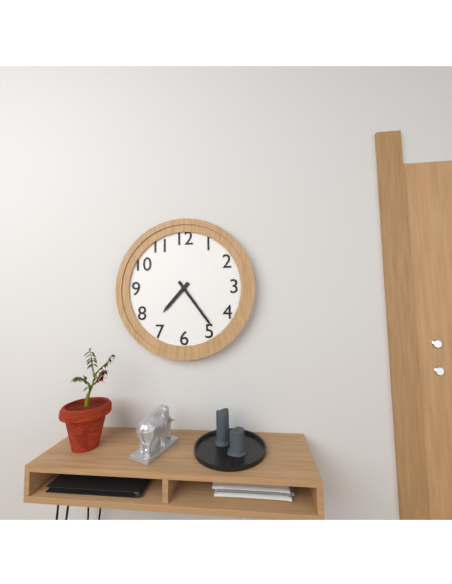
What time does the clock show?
7:24
